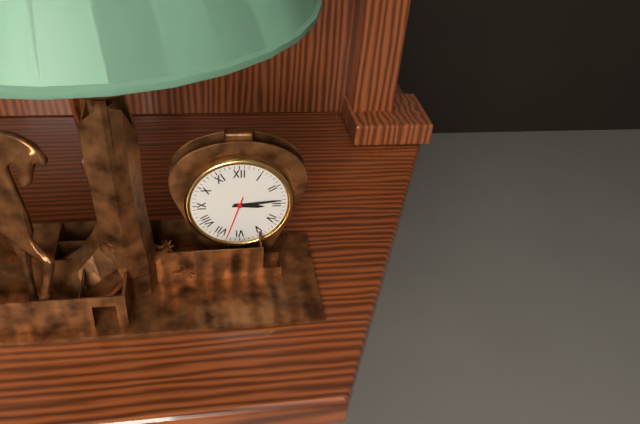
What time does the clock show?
3:14:33
